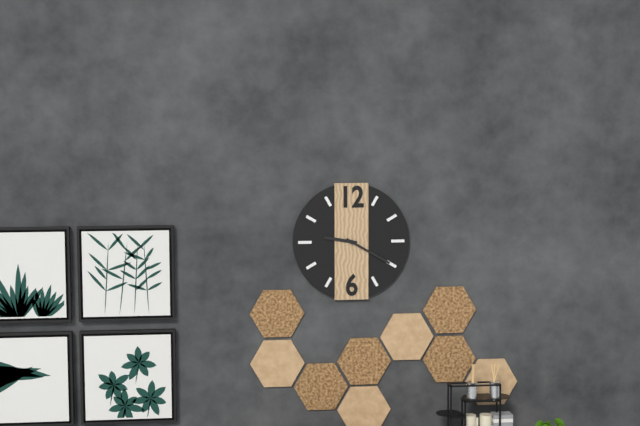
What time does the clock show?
9:20
